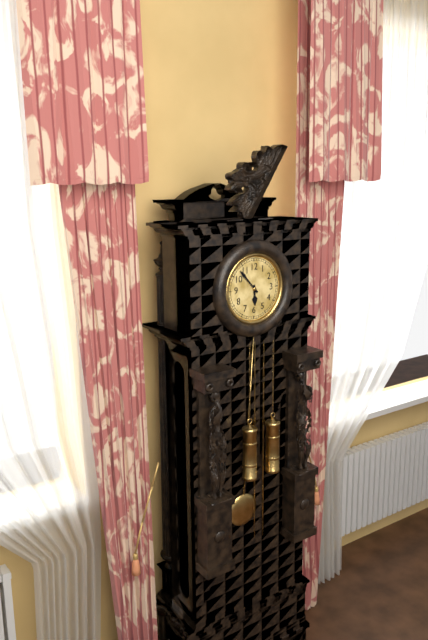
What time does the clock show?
5:53
